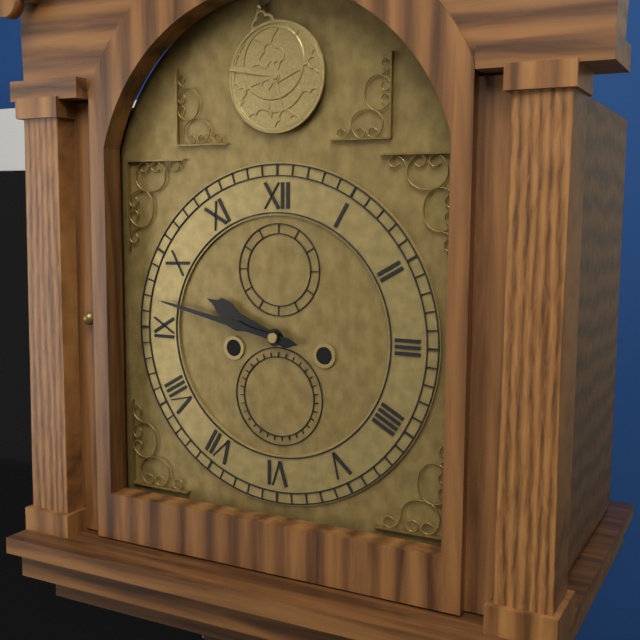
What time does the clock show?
9:47
